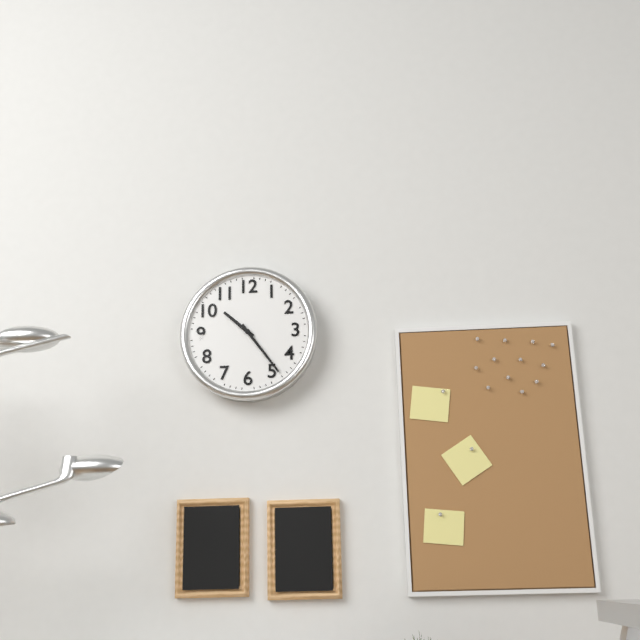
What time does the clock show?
10:24
